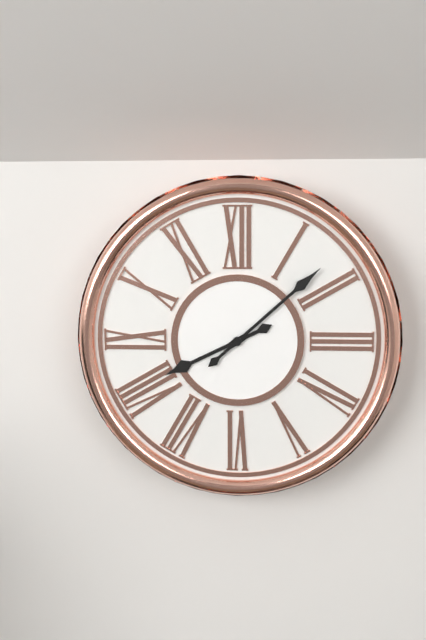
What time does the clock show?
8:08
